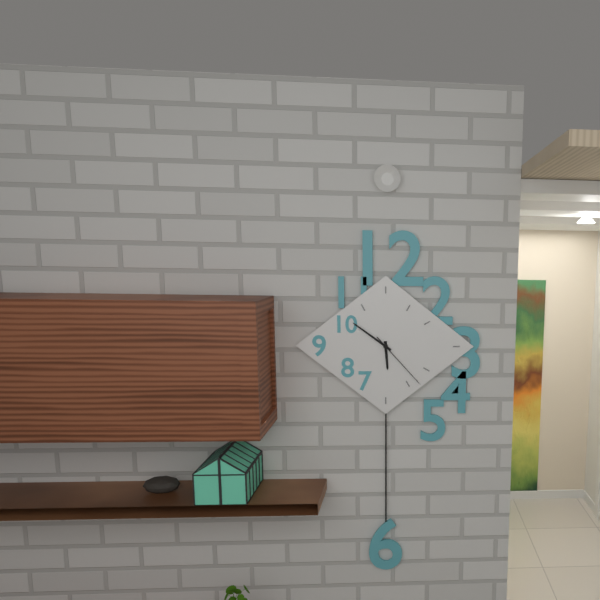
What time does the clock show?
5:51:23
